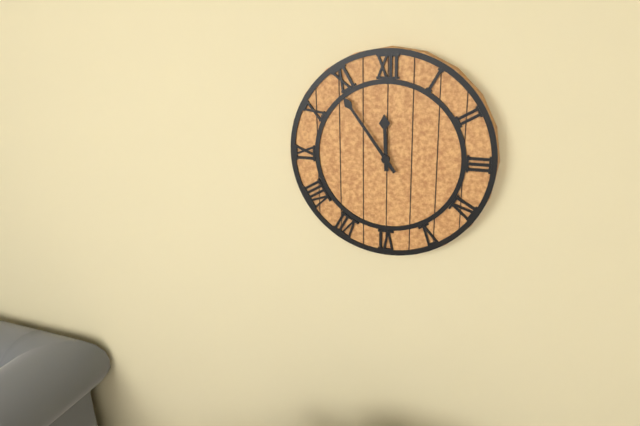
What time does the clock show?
11:54
